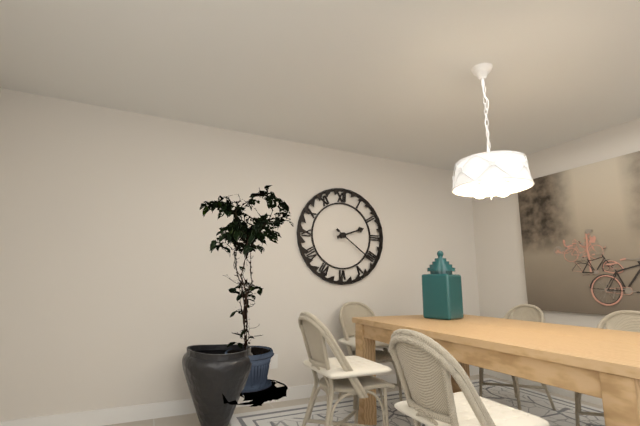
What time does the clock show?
2:21
